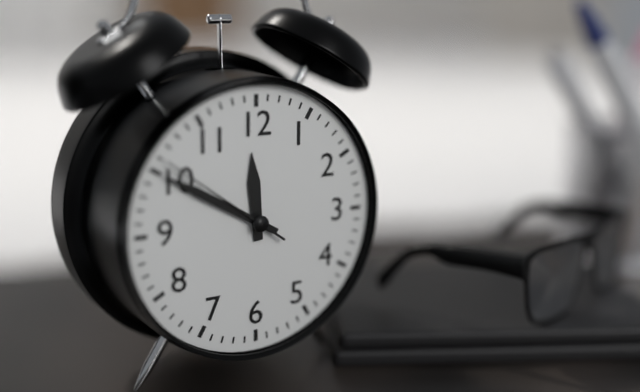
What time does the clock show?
11:50:51
